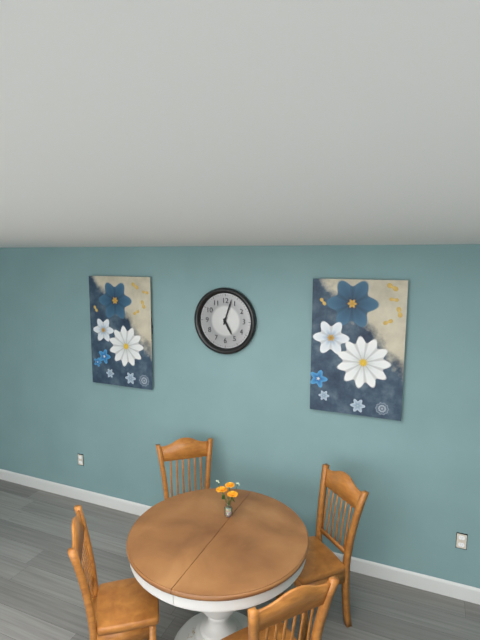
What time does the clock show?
5:03
